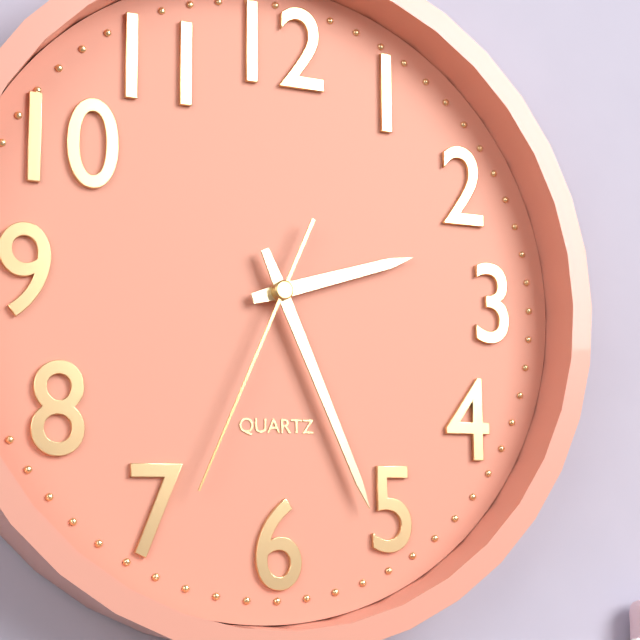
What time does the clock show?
2:26:34
